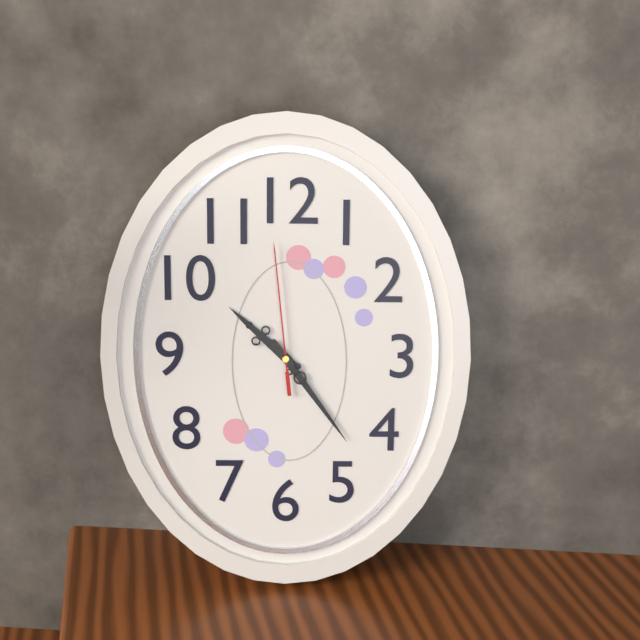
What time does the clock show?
10:24:59
